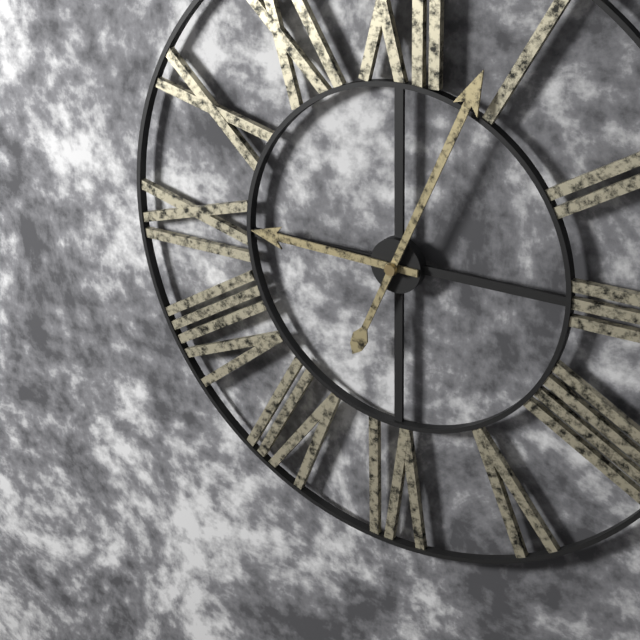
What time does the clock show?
9:04
